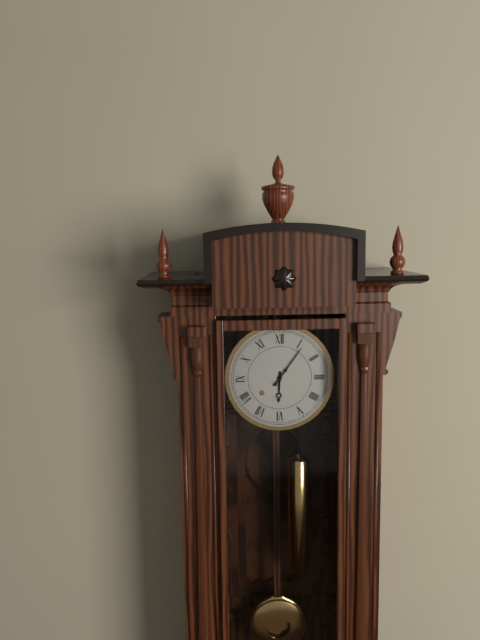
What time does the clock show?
6:06
